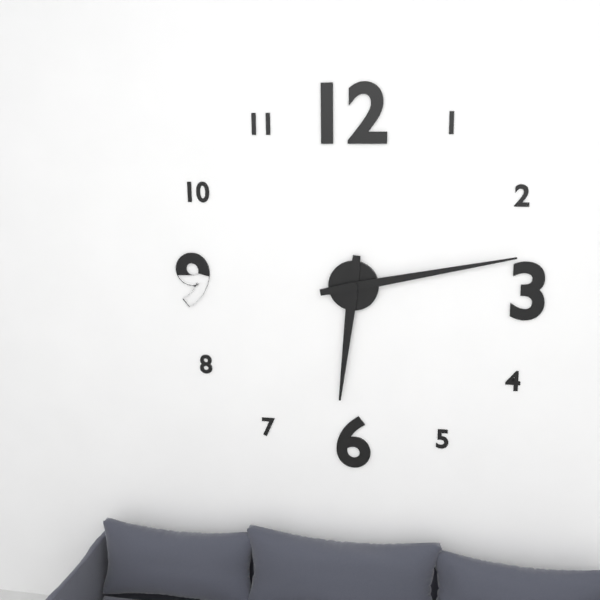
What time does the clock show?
6:13
